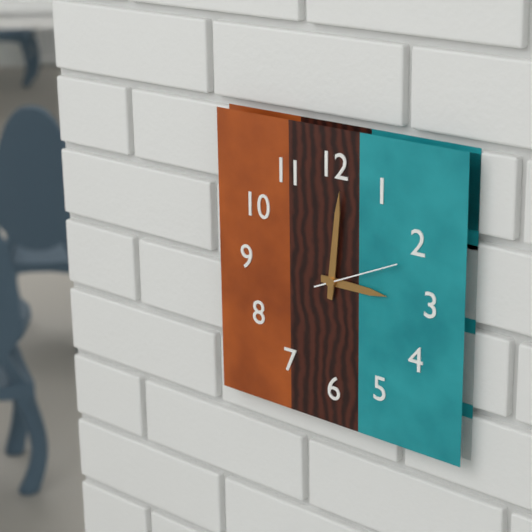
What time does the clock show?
3:01:11
